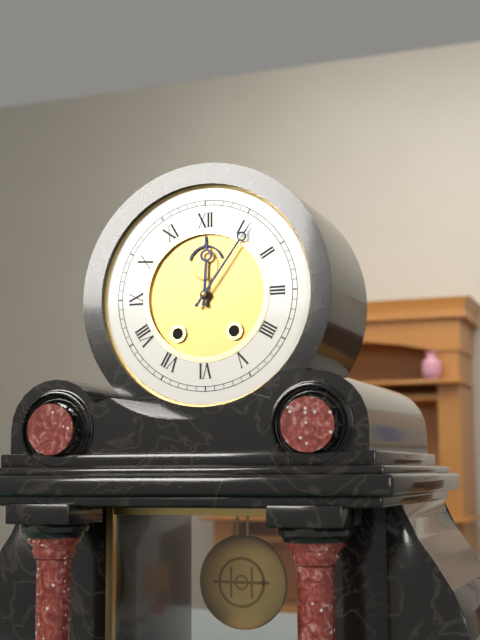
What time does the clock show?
12:06
